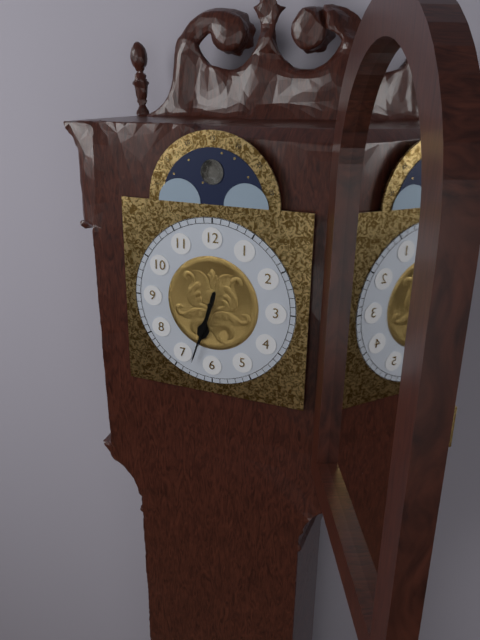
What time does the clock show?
6:33
